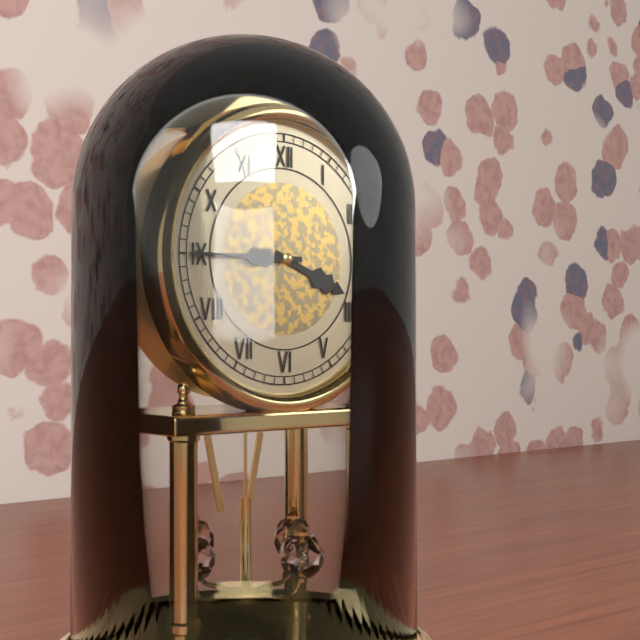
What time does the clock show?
3:45
